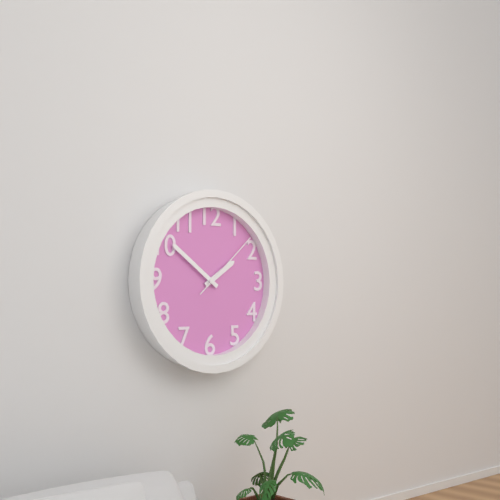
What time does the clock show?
1:51:08
